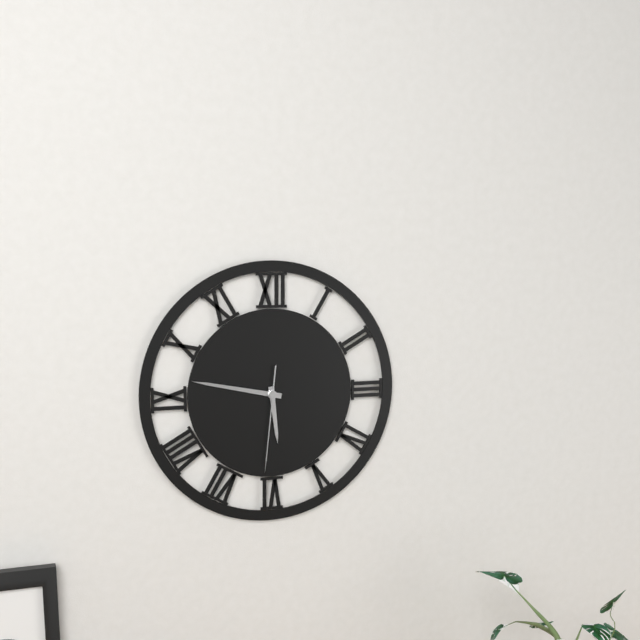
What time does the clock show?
5:47:31
